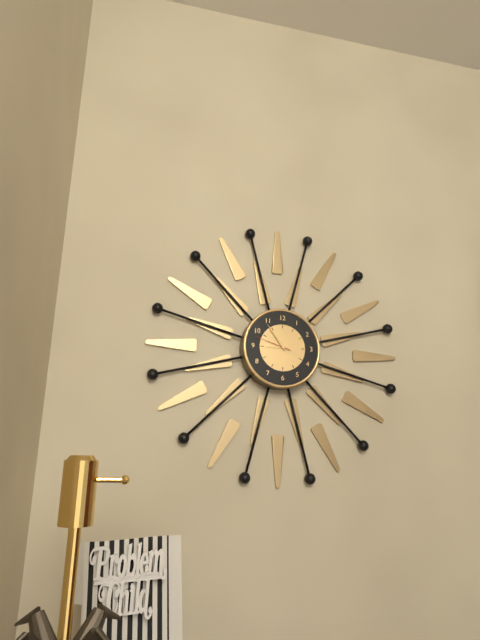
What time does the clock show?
8:54
